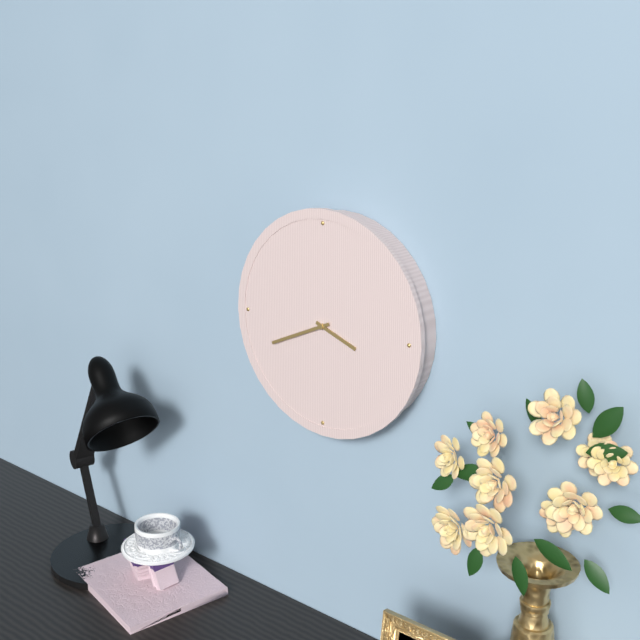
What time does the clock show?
3:41
